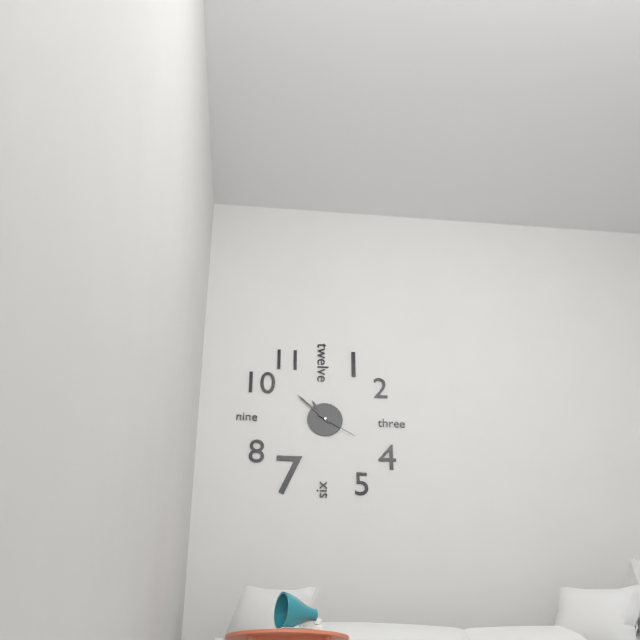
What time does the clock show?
10:52
